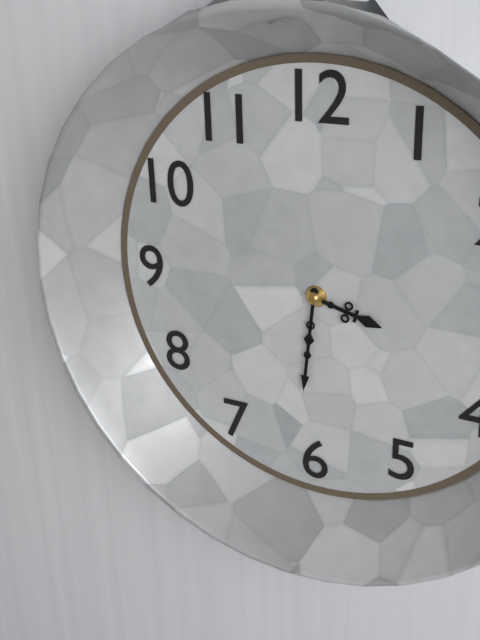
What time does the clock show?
3:31
